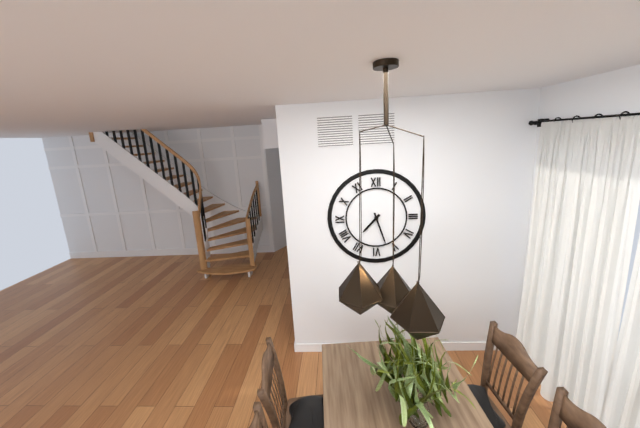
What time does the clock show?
7:27
